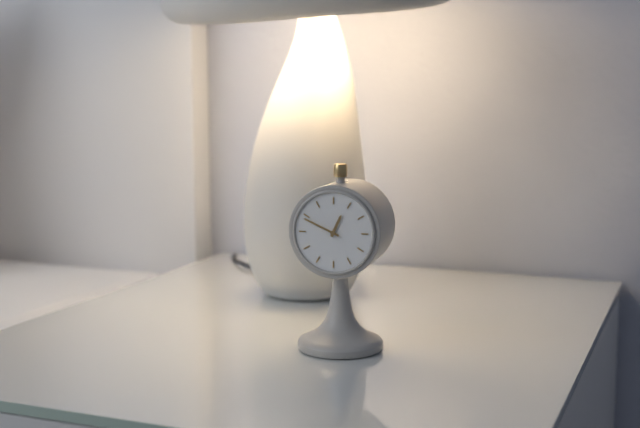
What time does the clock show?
12:49
